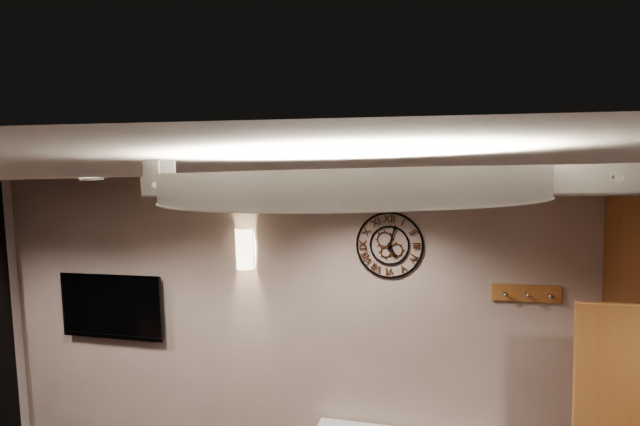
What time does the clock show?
5:03
